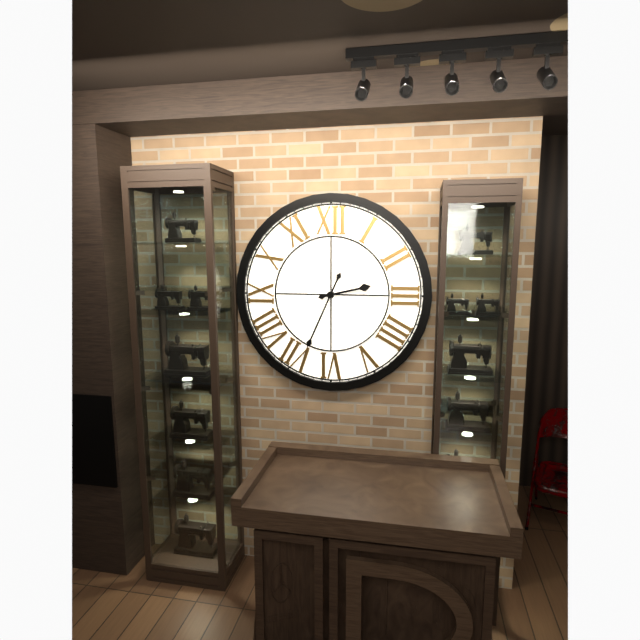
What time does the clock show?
2:34
